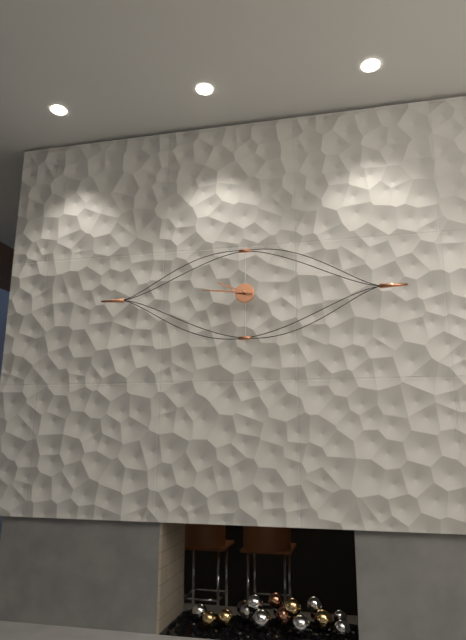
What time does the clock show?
9:46
